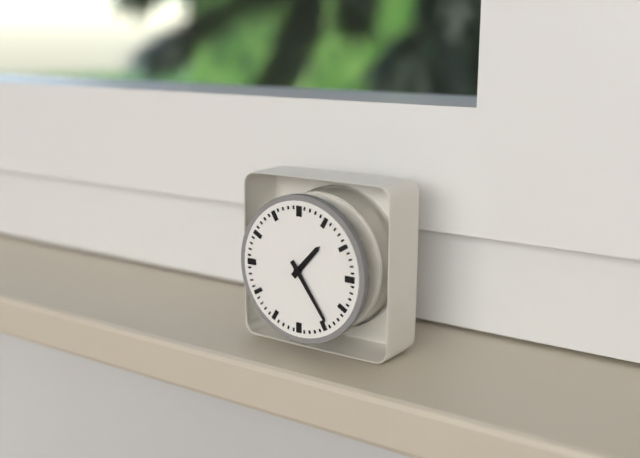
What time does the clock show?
1:24
